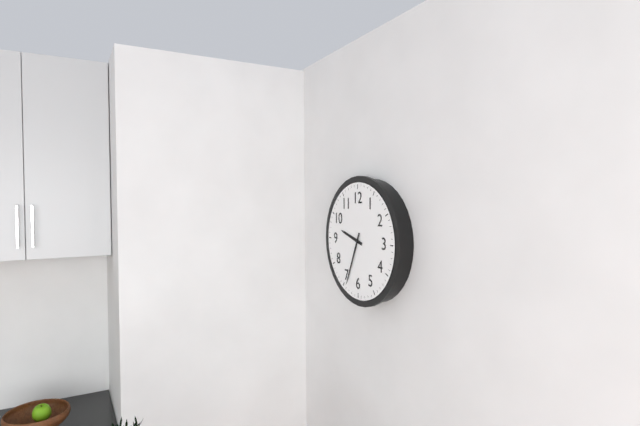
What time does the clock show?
9:34
